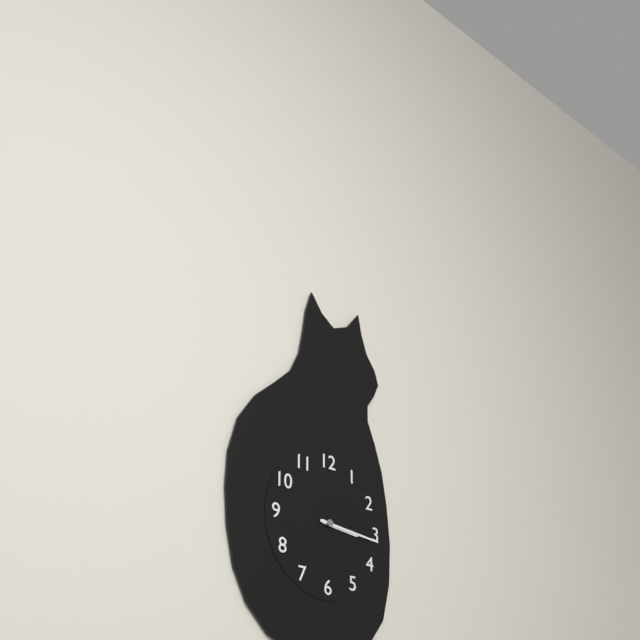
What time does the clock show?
3:16
